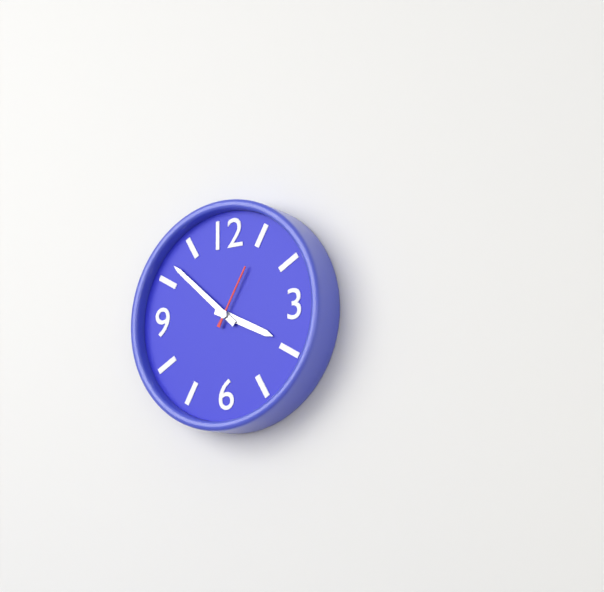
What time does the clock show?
3:52:05
